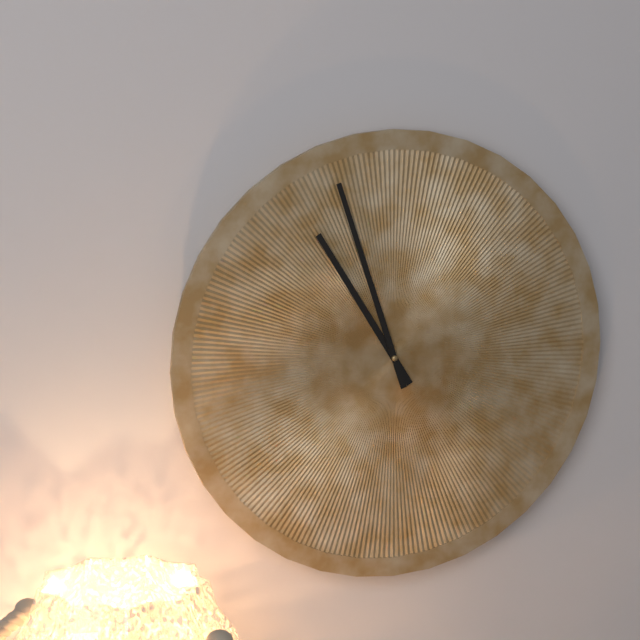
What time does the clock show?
10:57
